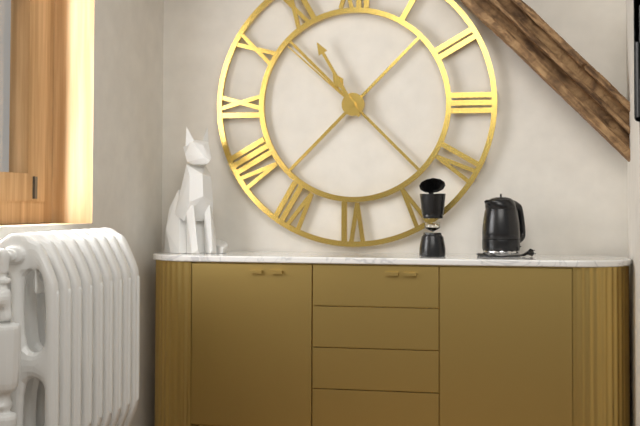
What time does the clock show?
10:55:52
